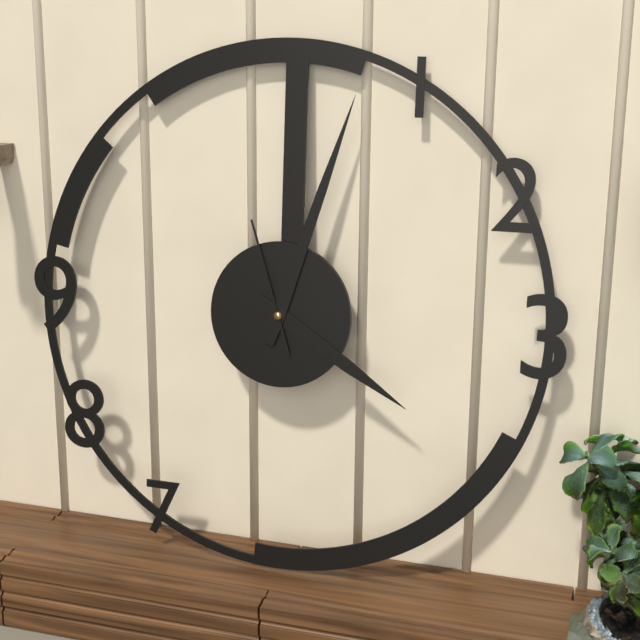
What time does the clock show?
4:03:57
